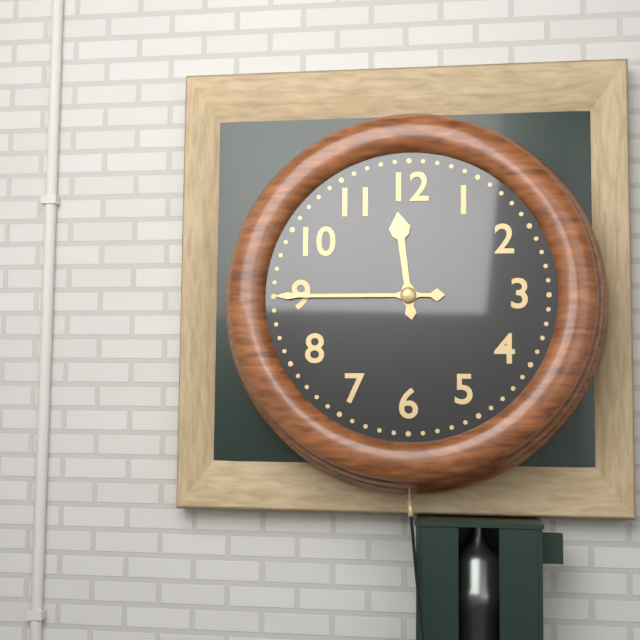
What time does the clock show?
11:45
